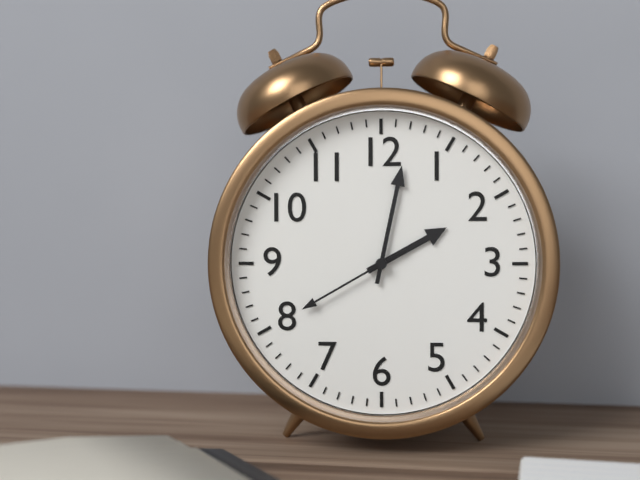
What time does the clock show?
2:02:40
